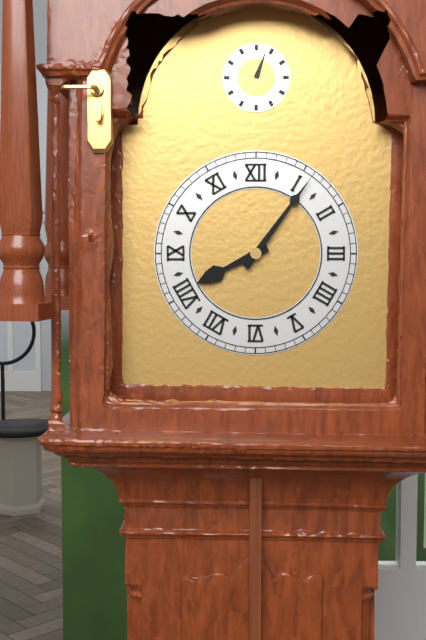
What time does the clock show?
8:06
